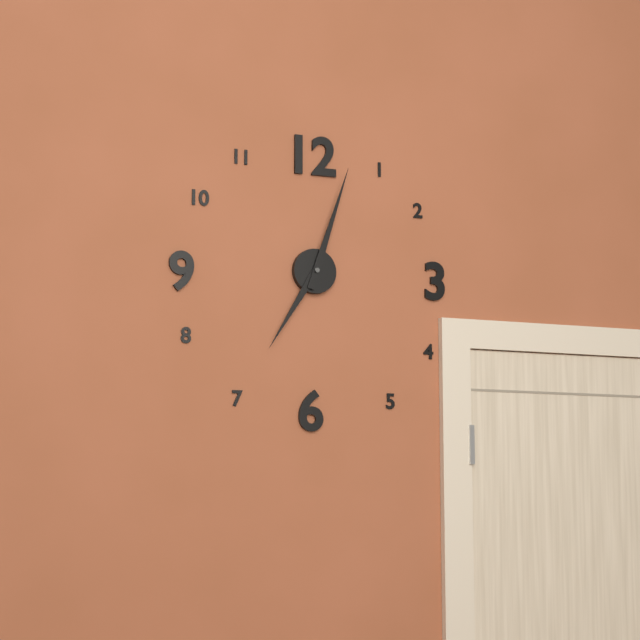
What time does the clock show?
7:03
